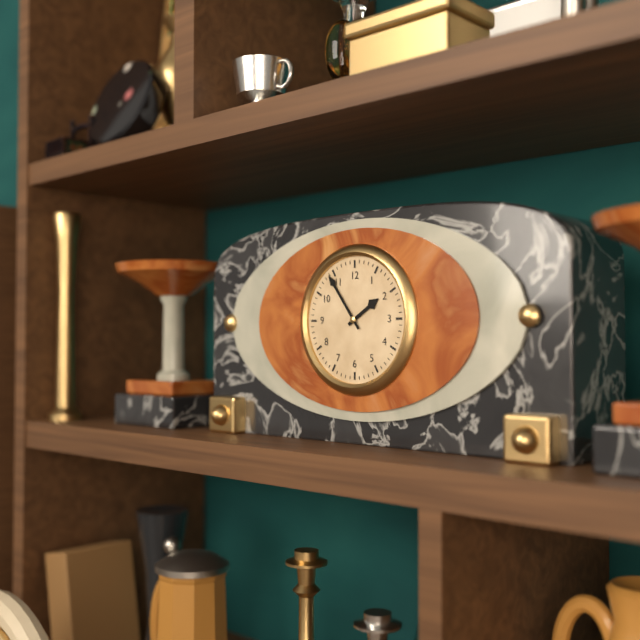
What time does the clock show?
1:54
